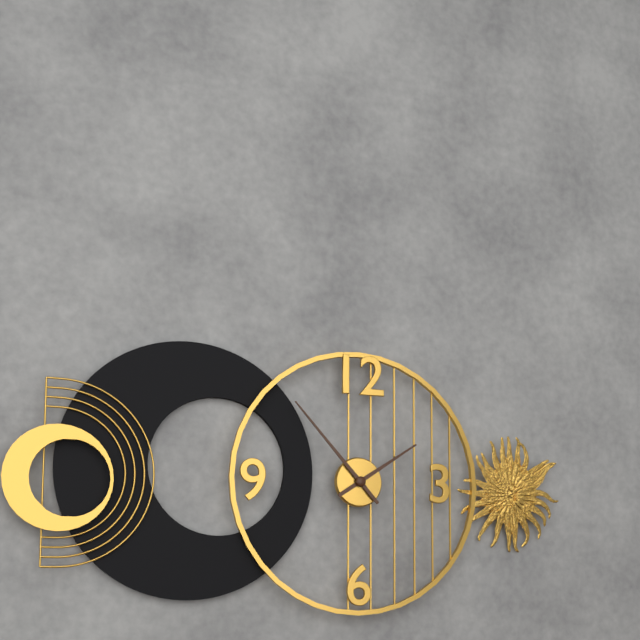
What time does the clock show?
1:53
